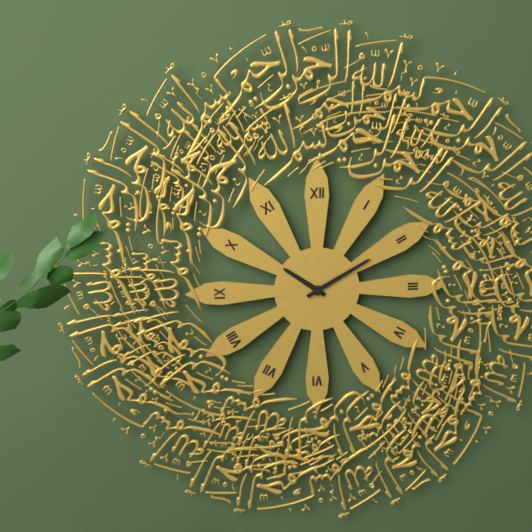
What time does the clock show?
10:10
